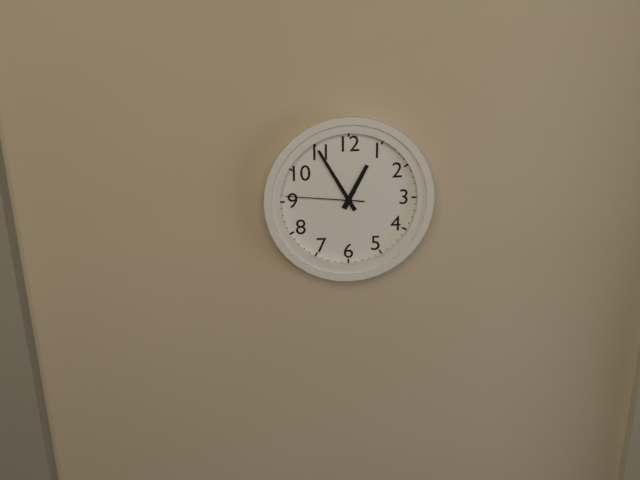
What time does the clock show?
12:55:46
